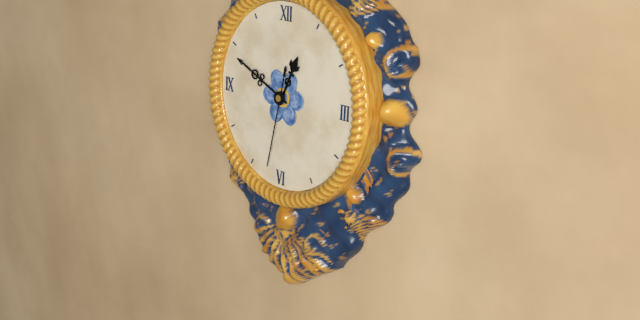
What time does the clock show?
12:49:32
